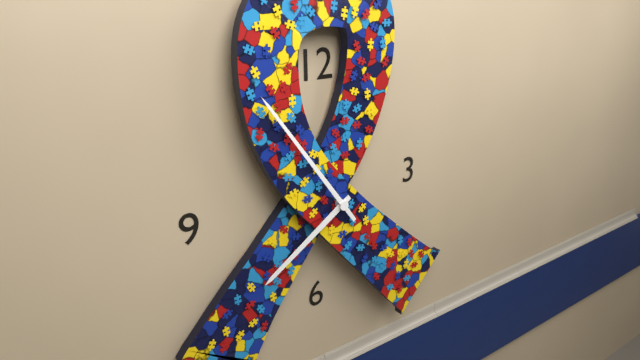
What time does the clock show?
7:54
